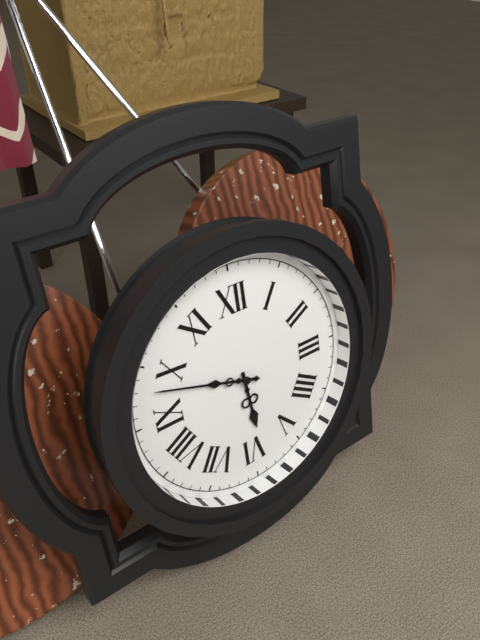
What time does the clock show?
5:48
